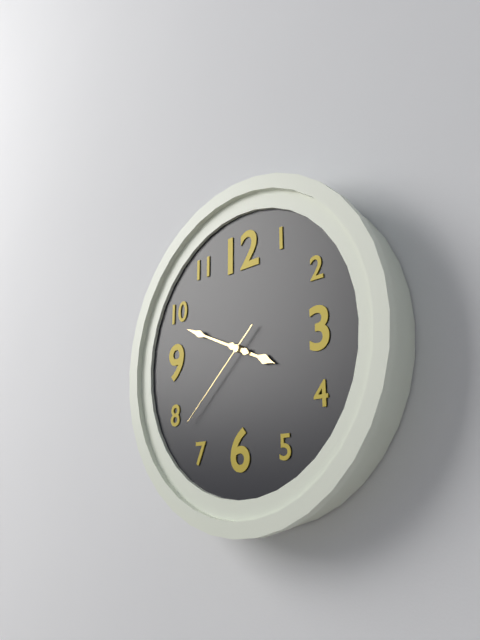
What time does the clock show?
3:49:38
